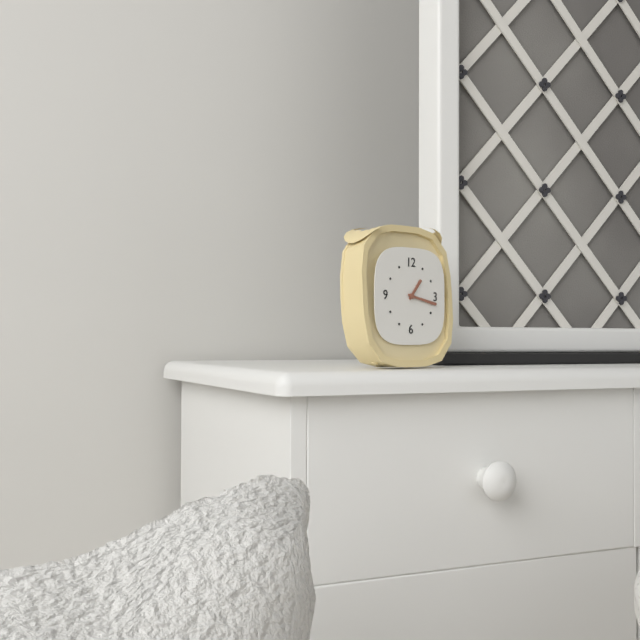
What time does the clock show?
1:17
